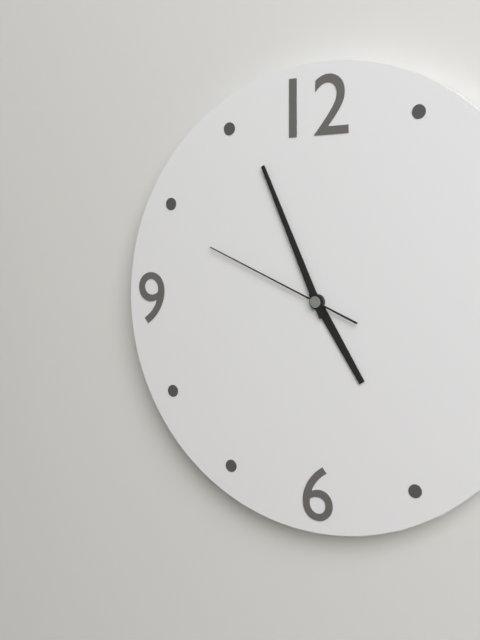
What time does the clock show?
4:56:49
